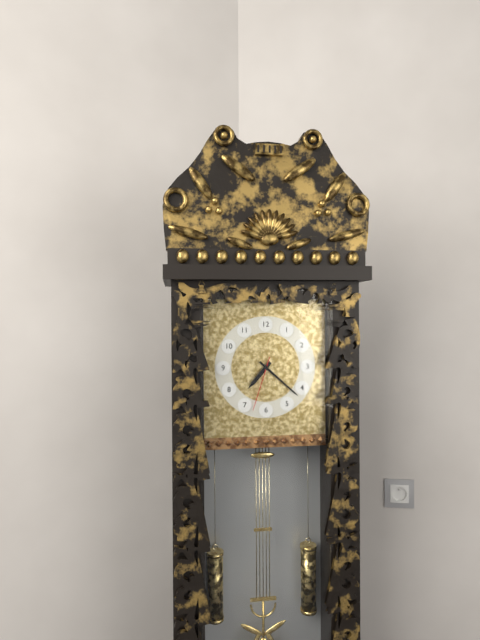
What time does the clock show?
7:22:33
